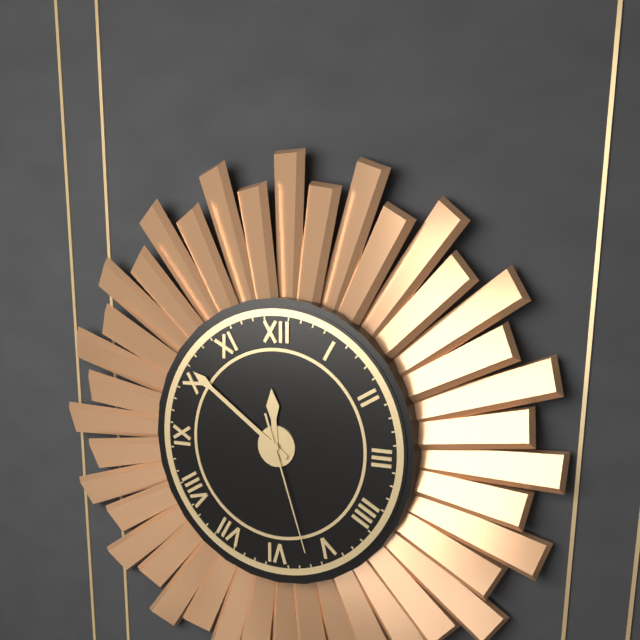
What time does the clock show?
11:51:27
